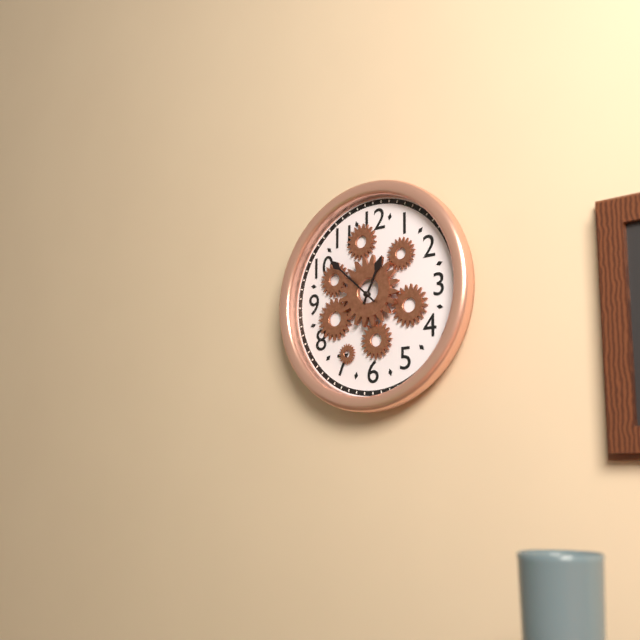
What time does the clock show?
12:52
